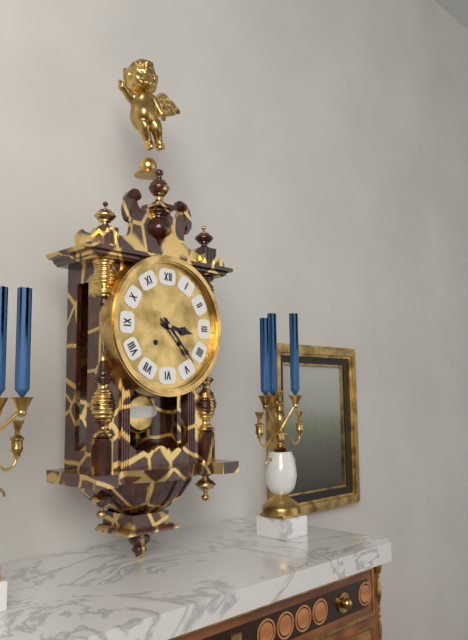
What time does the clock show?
3:23
